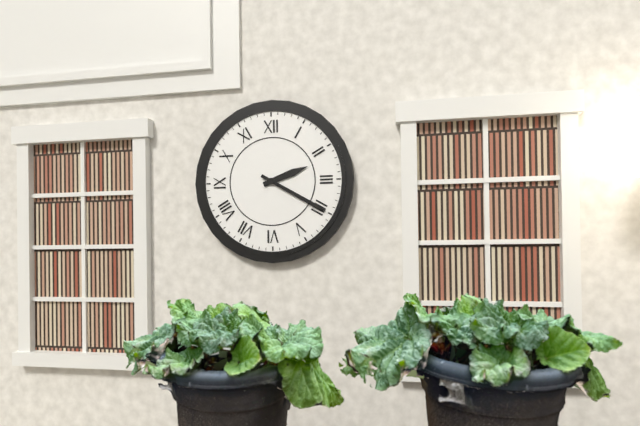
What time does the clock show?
2:20
